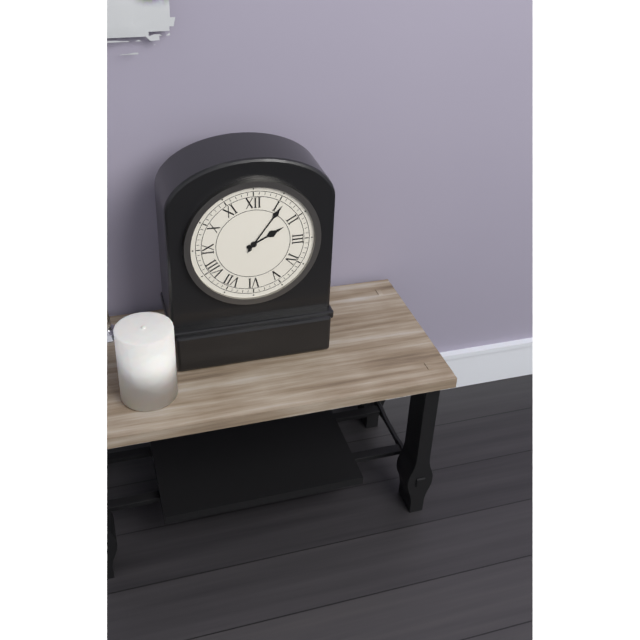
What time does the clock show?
2:06
